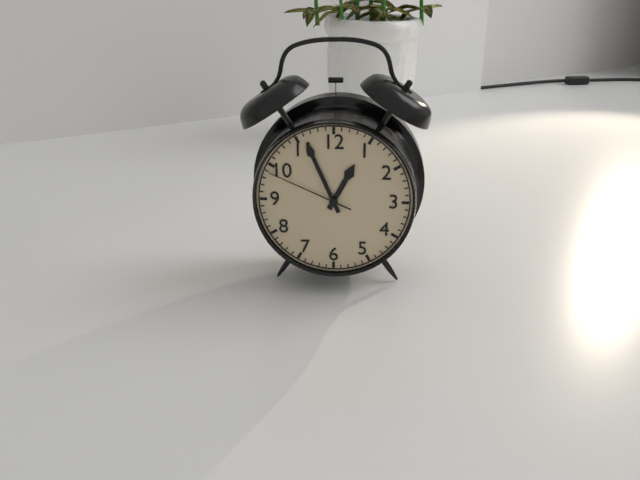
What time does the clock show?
12:56:49
